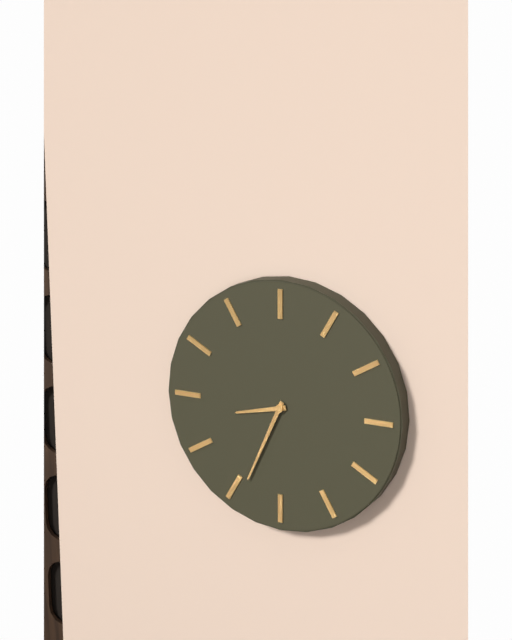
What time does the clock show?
8:34
